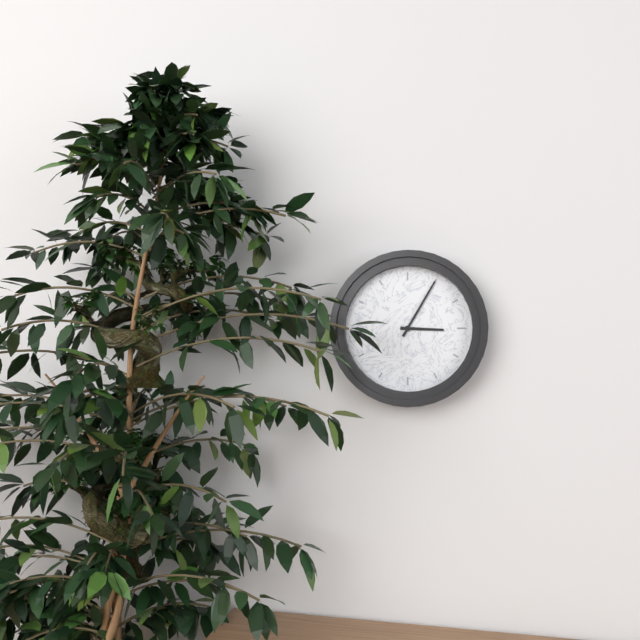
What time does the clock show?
3:05
